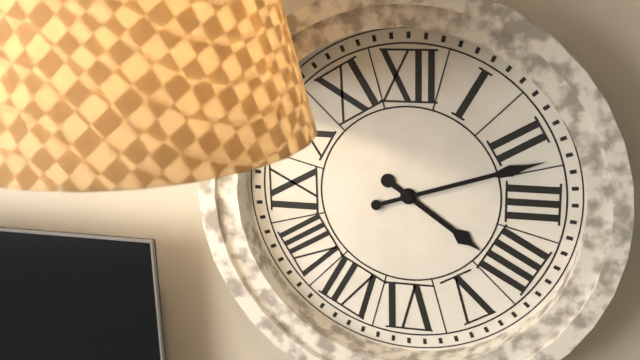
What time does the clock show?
4:12
